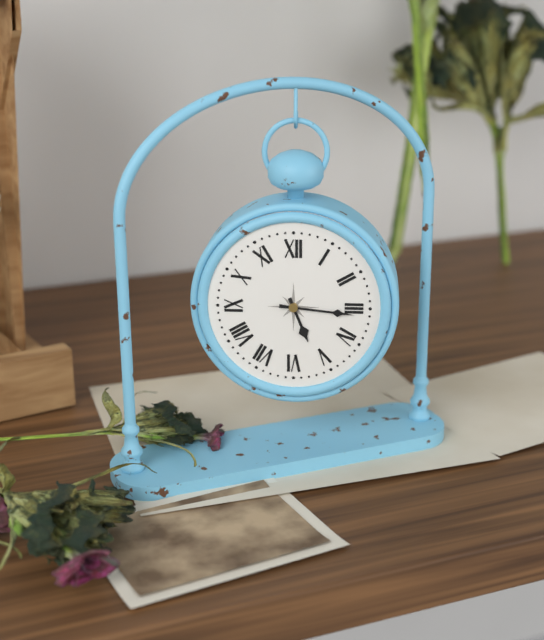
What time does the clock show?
5:16
